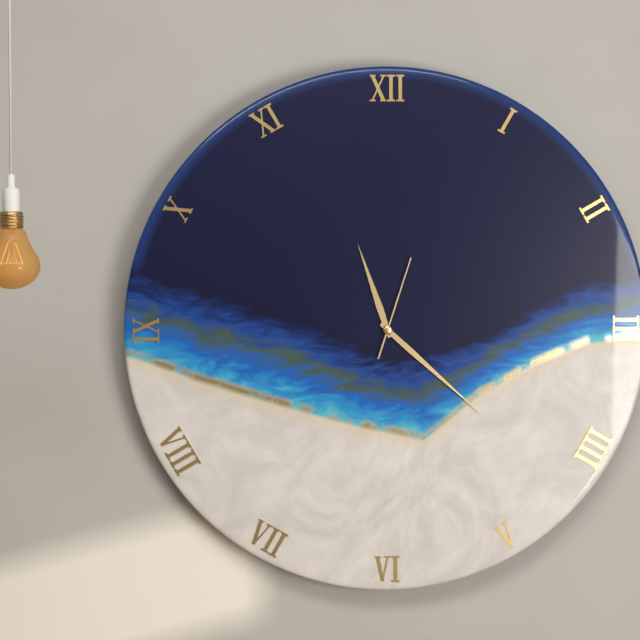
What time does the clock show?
11:22:03
